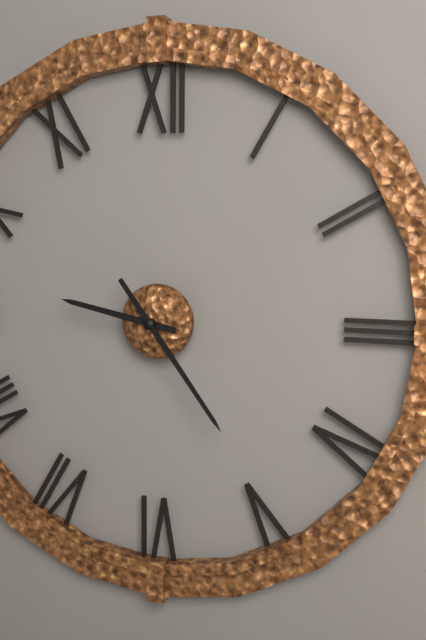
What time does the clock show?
9:24
